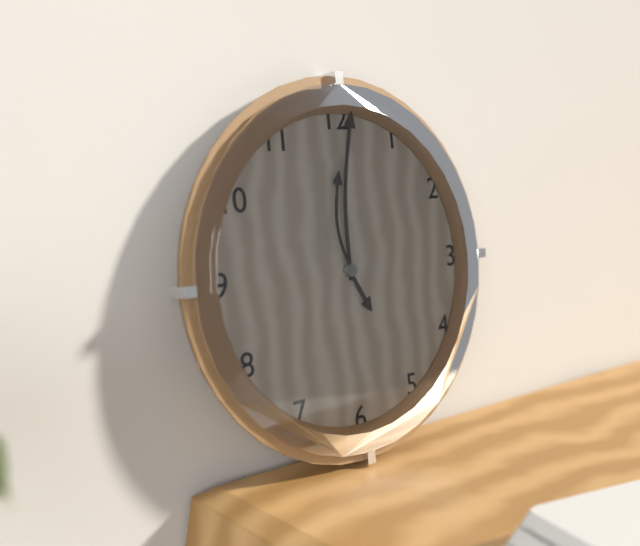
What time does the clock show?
5:01:59
